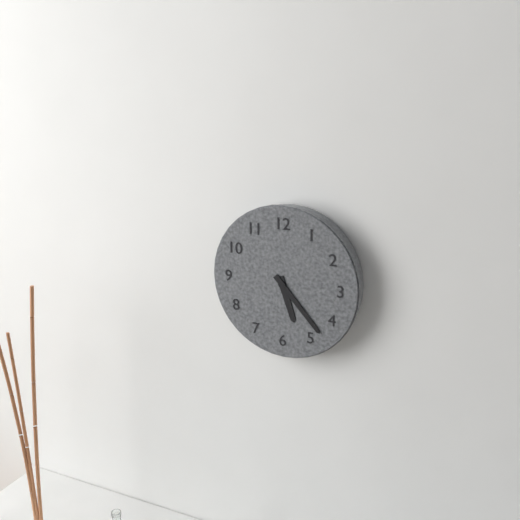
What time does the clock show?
5:23
